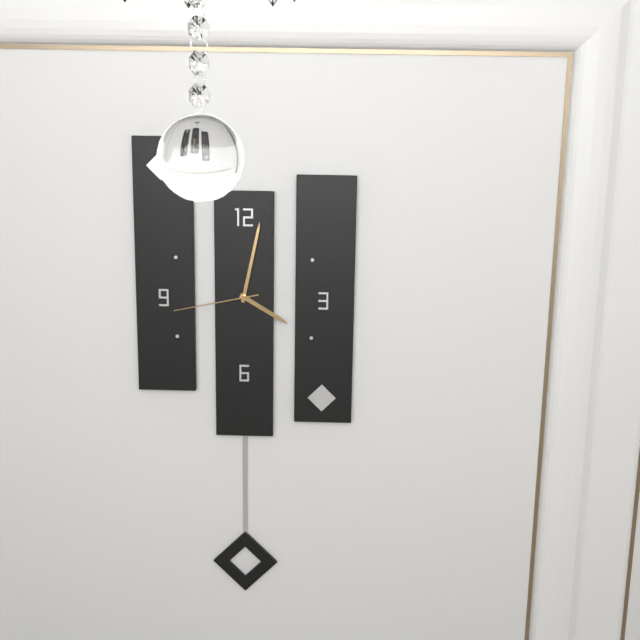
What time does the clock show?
4:02:43
